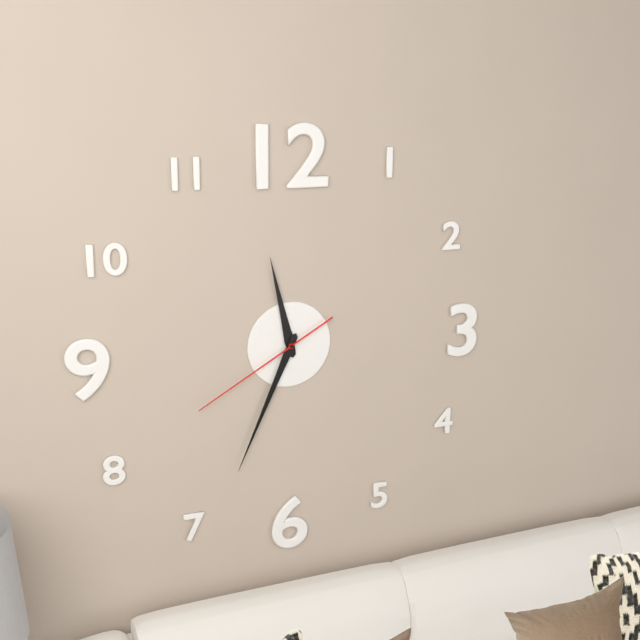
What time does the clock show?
11:34:40
